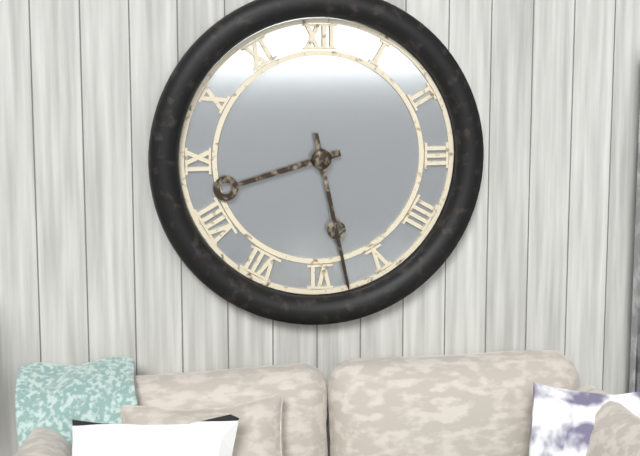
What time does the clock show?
8:28
